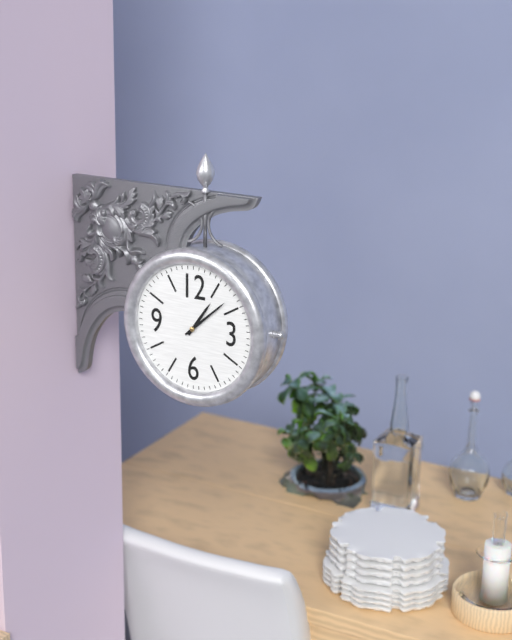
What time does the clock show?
1:08
